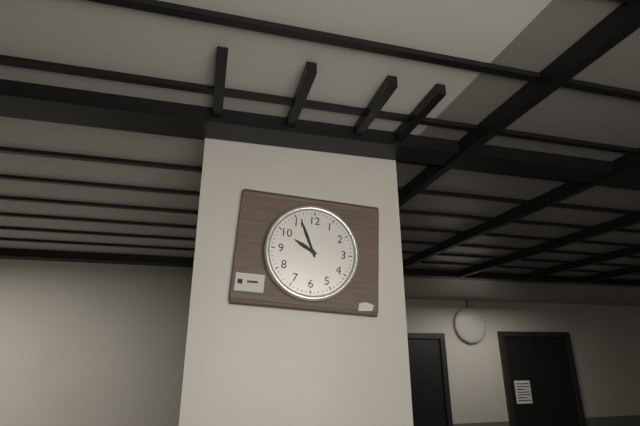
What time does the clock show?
9:56
